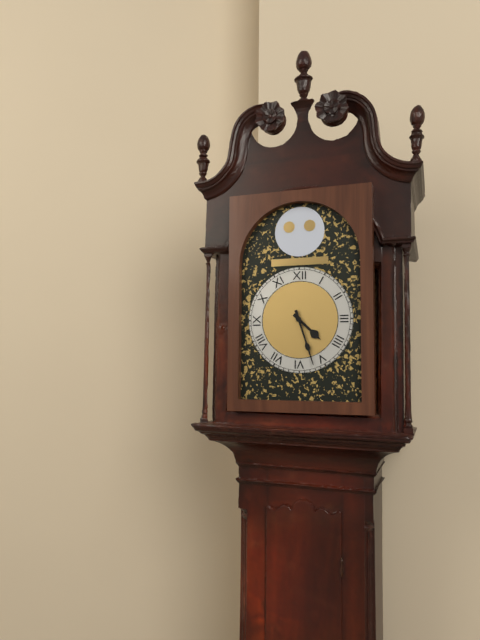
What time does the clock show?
4:27
